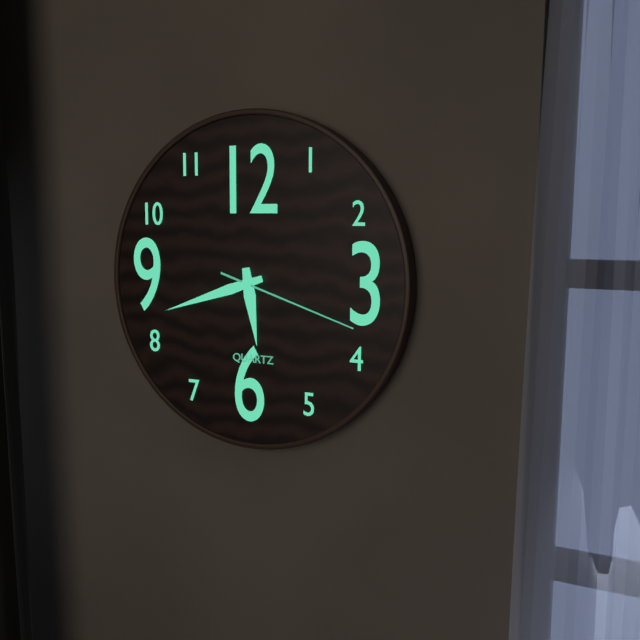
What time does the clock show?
5:42:18
